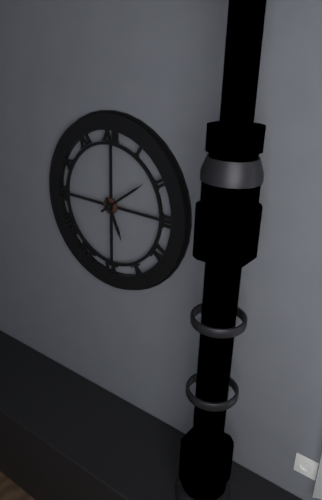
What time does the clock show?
5:09
